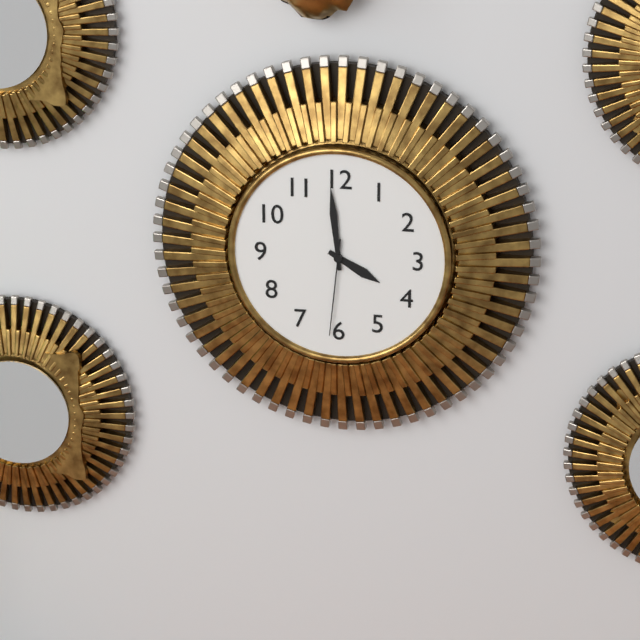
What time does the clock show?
3:59:31
